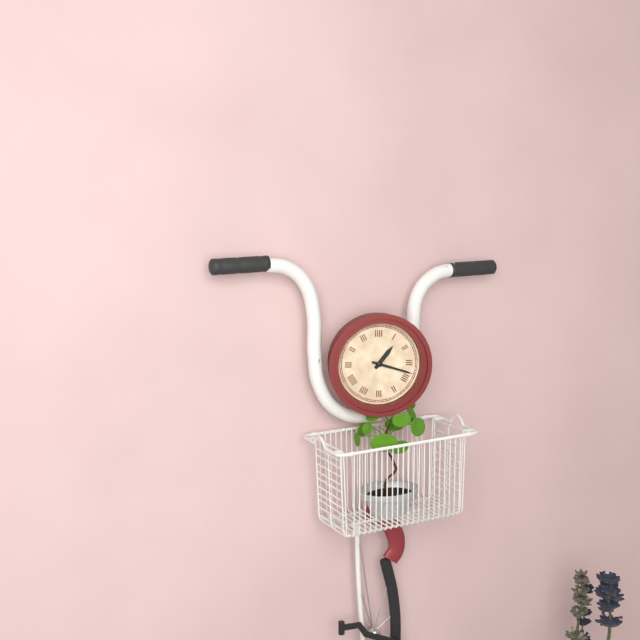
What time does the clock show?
1:18
